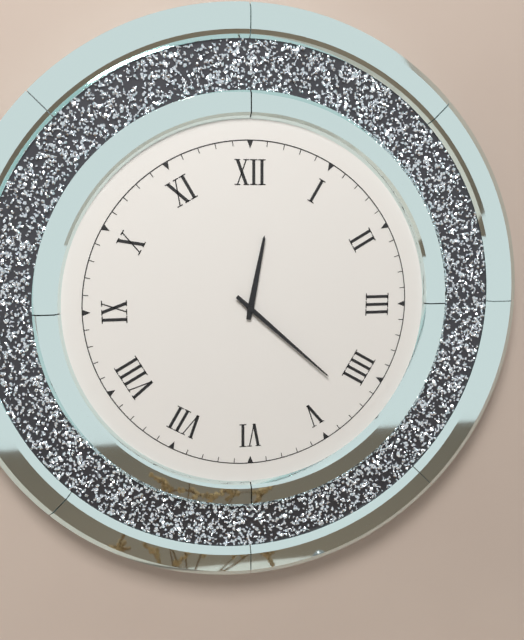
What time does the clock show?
12:22
